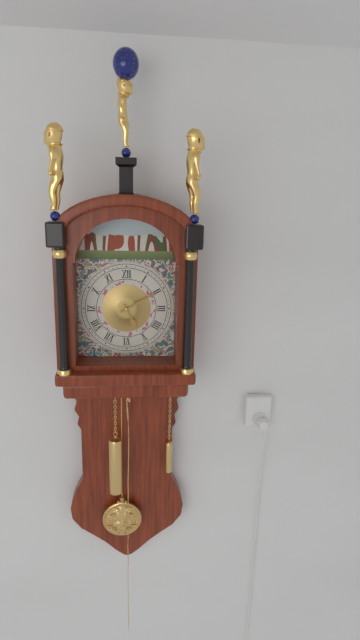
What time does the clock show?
5:10
